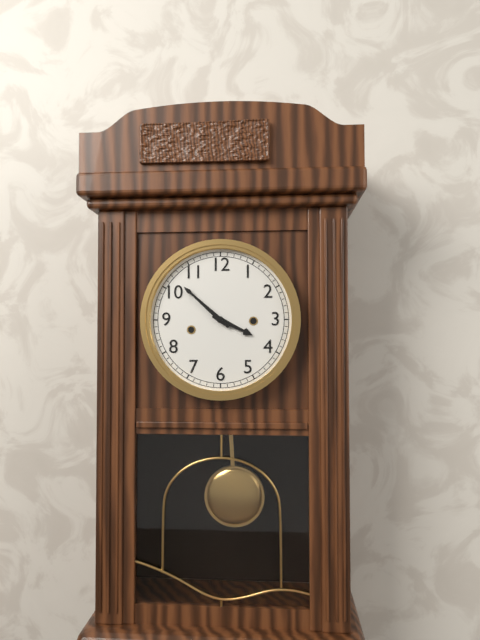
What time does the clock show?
3:52
